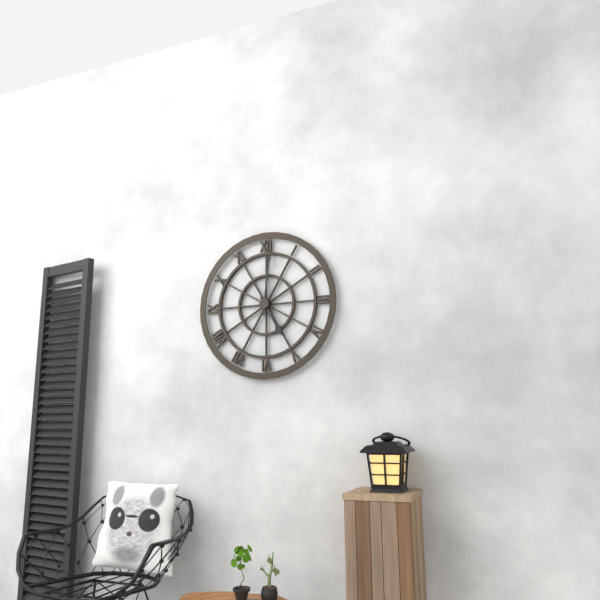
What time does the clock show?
5:01
